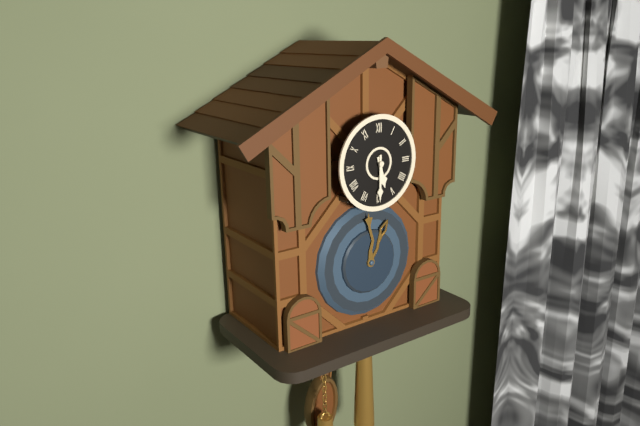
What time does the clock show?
5:30
